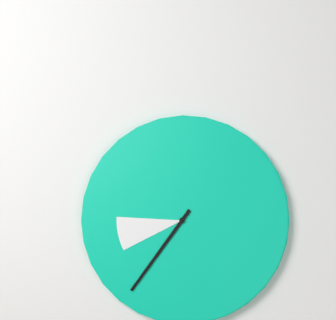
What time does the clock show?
8:36
